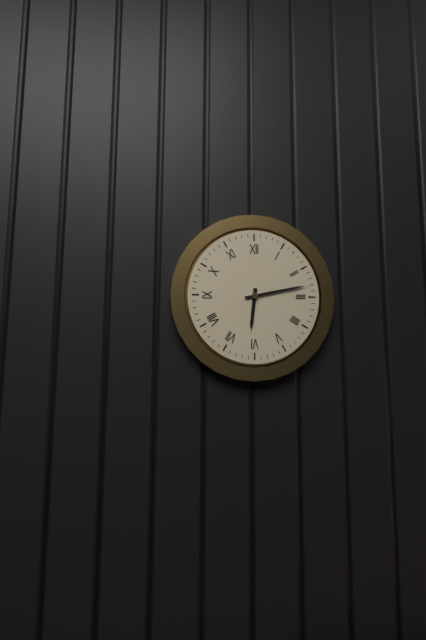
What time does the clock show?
6:13
